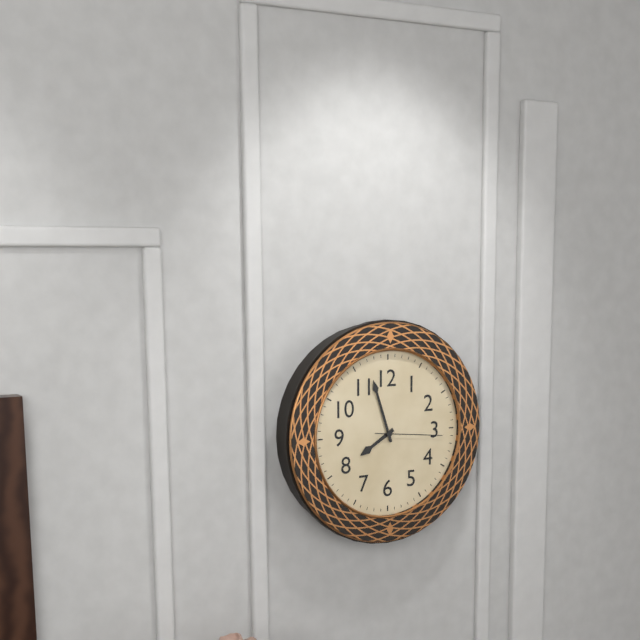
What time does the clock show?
7:57:16
